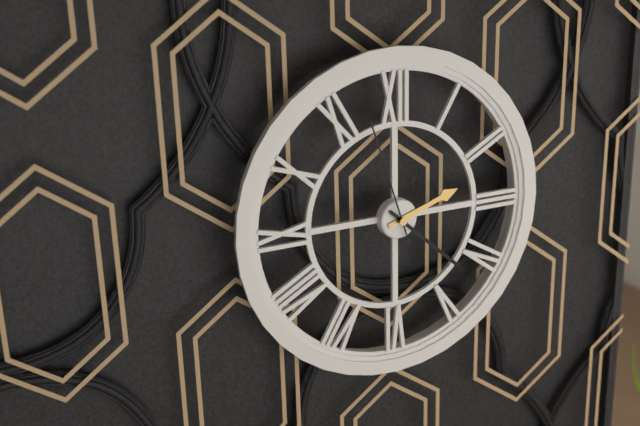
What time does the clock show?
2:22:57
